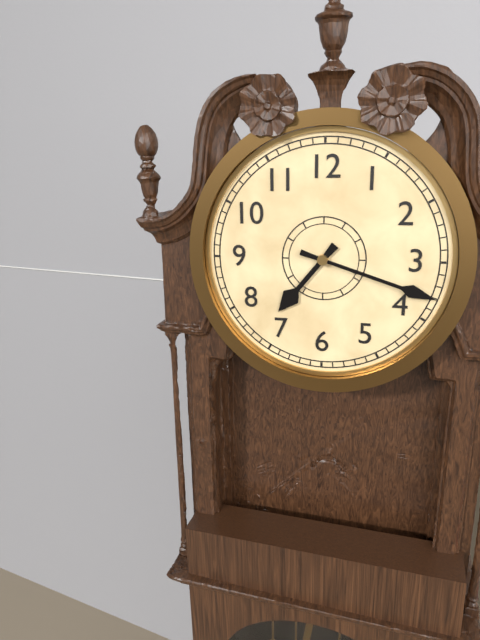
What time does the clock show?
7:18
